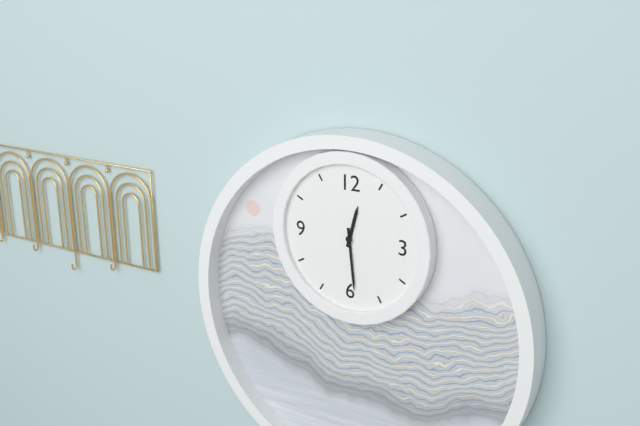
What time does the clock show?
12:29
